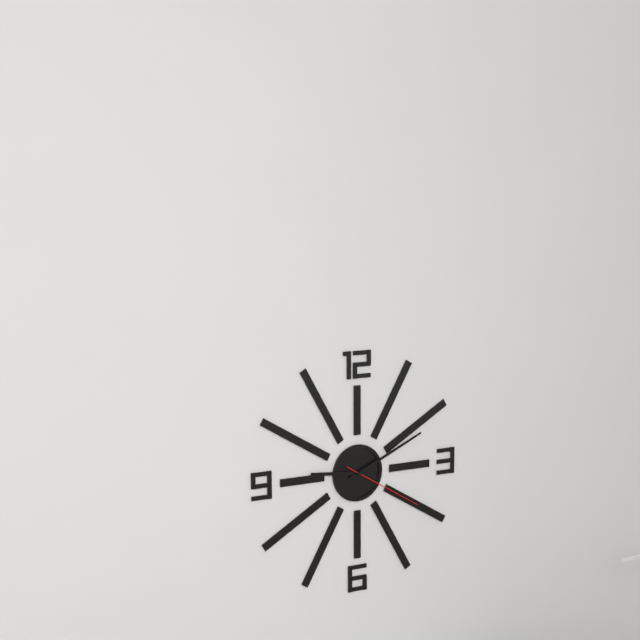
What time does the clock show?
9:11:20
